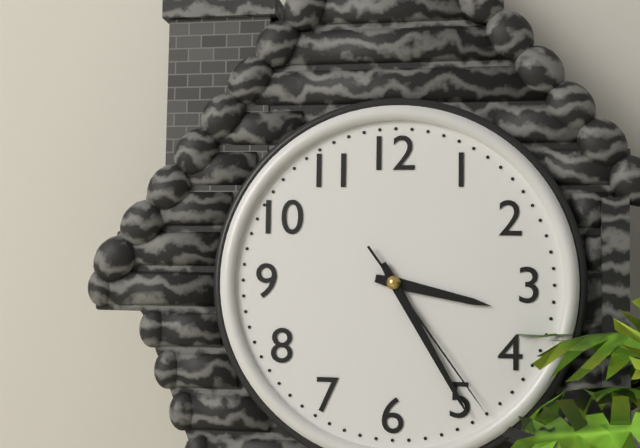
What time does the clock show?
3:25:24
